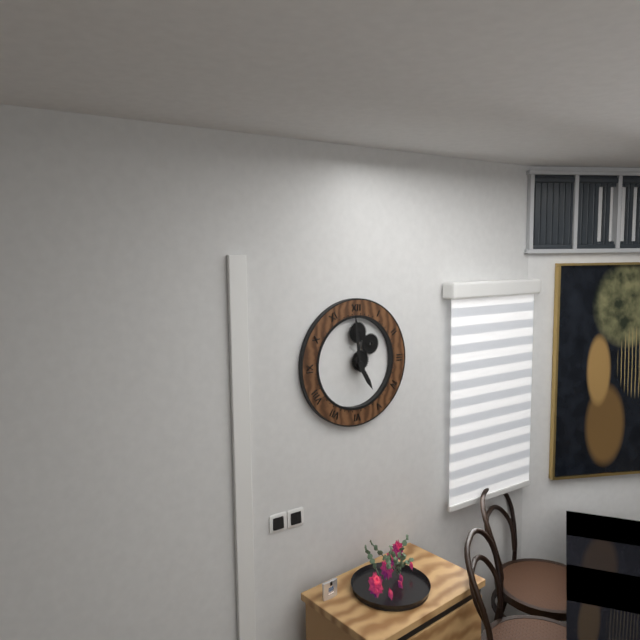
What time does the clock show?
4:59
